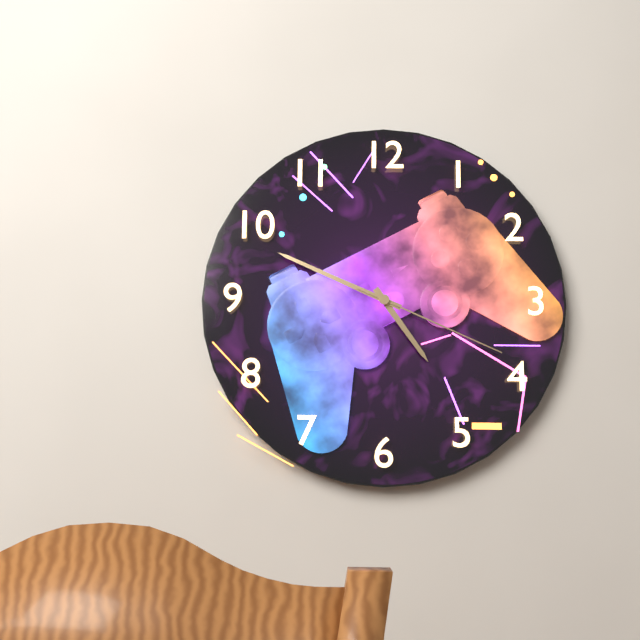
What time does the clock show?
4:49:19
